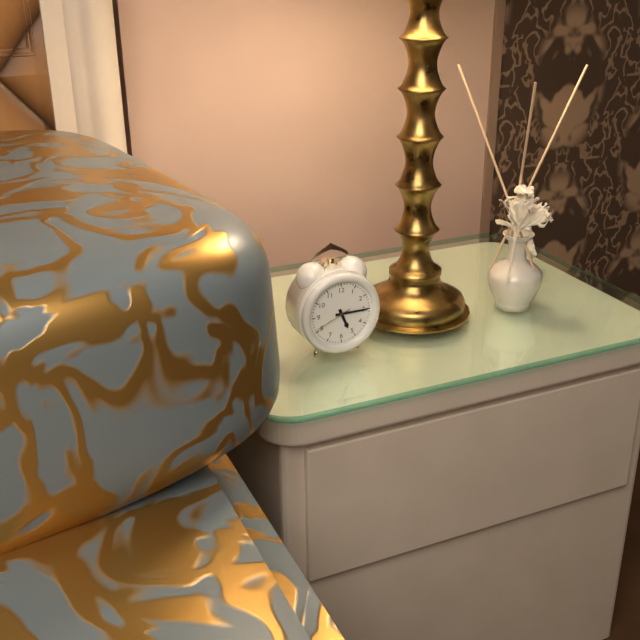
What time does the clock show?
5:15
